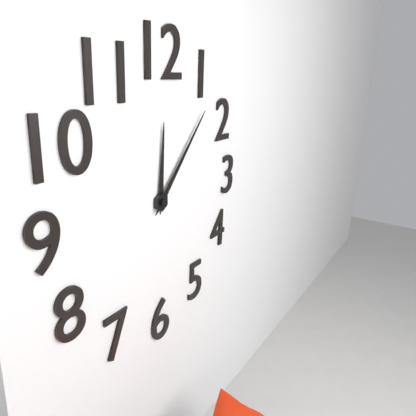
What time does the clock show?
12:07
